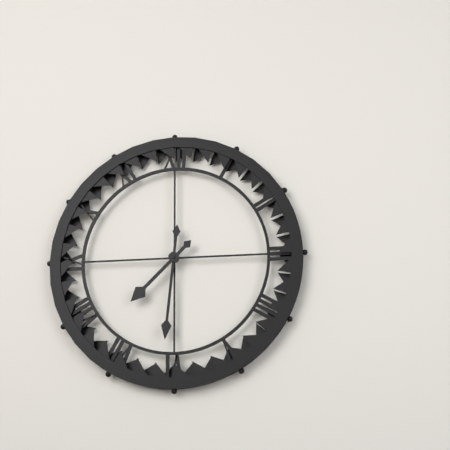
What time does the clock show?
7:31
